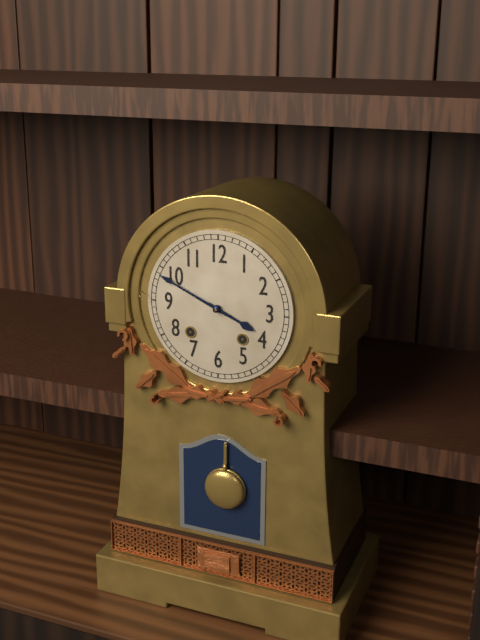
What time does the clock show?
3:49
